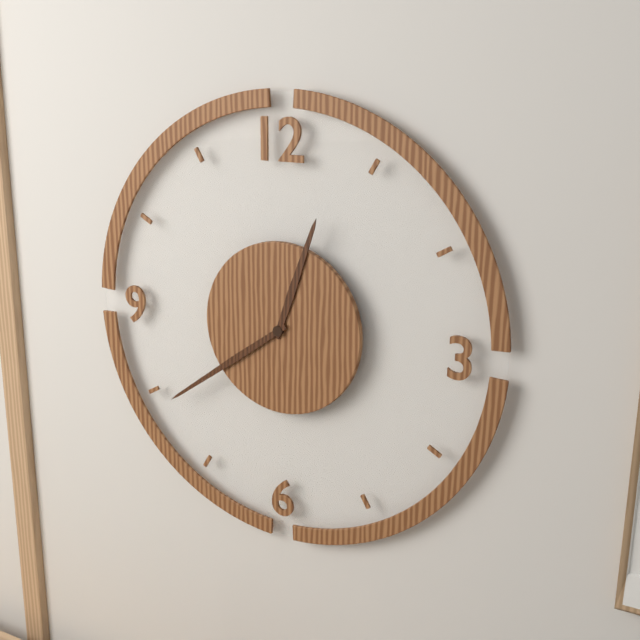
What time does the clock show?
12:39
